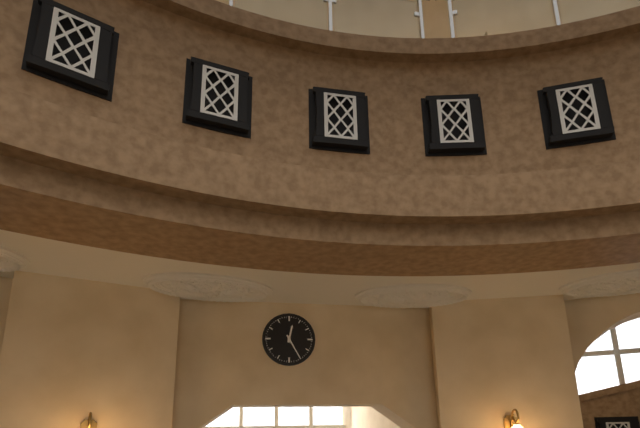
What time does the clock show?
12:25
